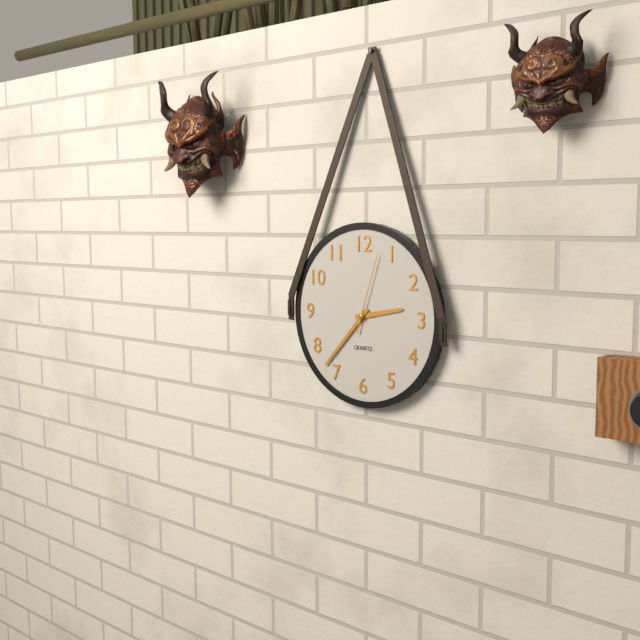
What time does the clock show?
2:37:03
